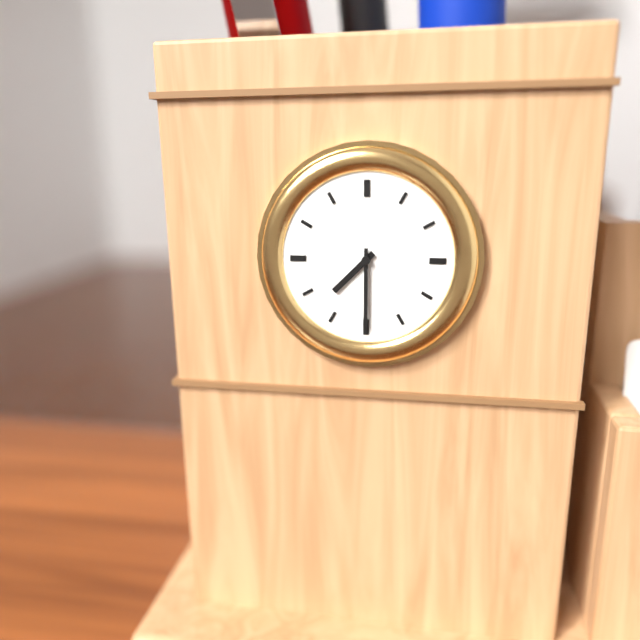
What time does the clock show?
7:30
